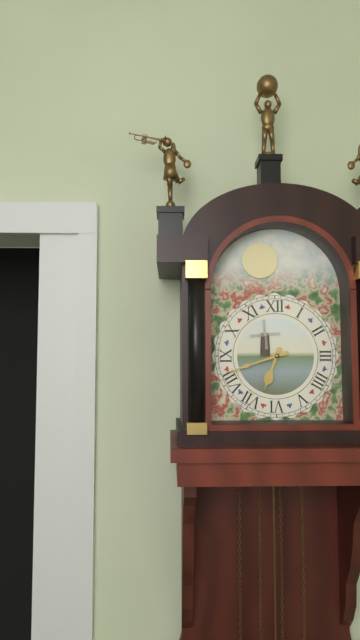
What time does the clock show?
6:42
